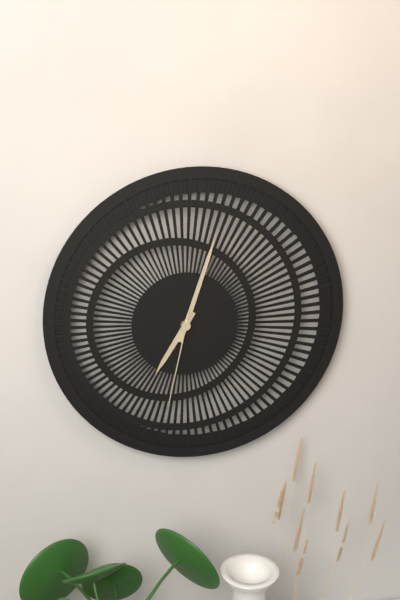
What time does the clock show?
7:03:32
